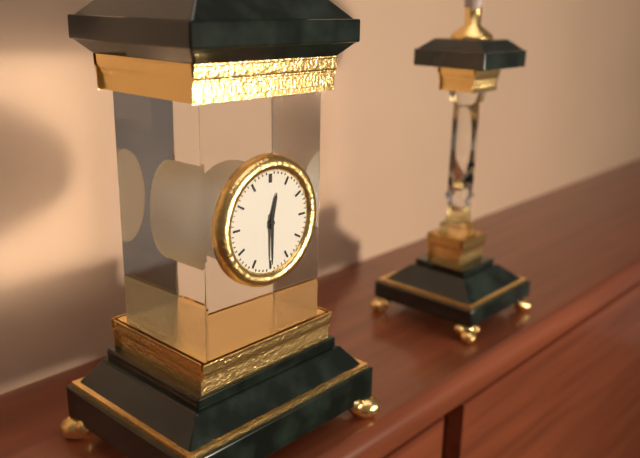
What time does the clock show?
12:30
